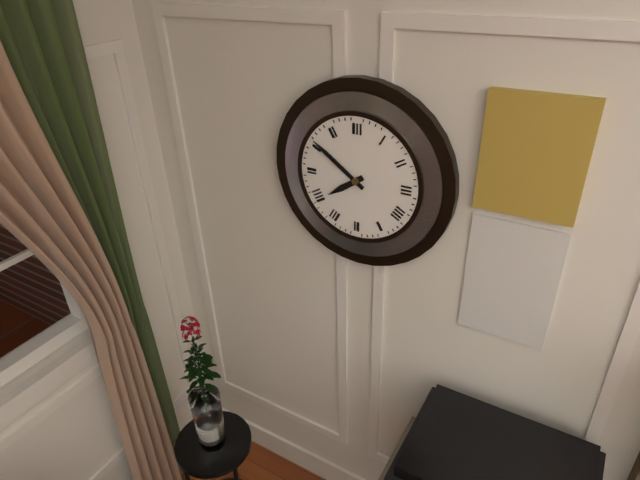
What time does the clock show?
7:51
